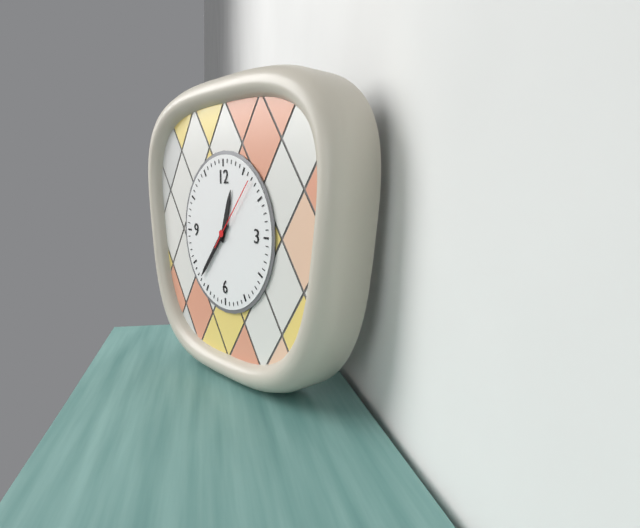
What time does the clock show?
12:37:07
